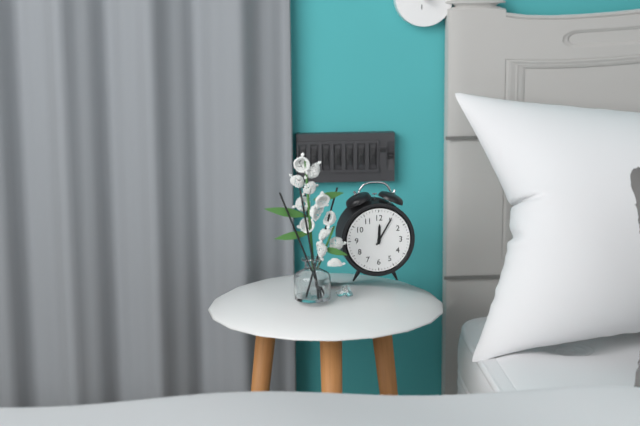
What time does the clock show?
12:05
